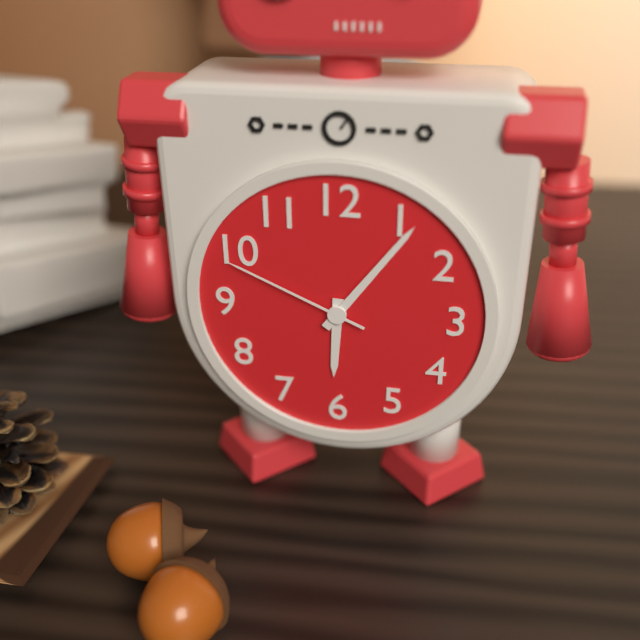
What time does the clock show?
6:06:49
